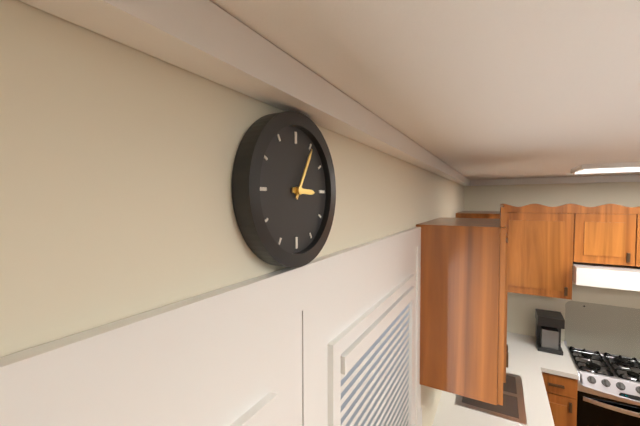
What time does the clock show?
3:05
